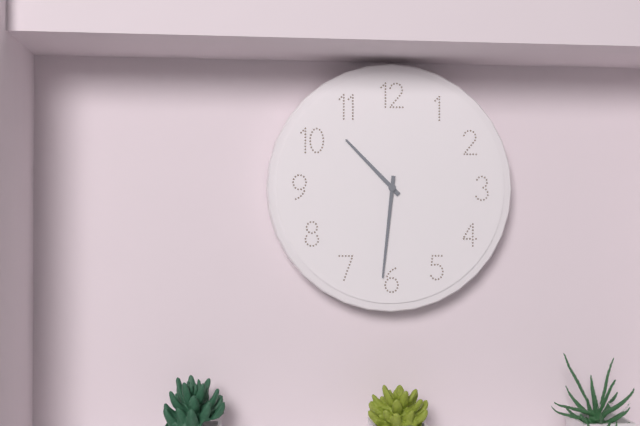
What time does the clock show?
10:31
